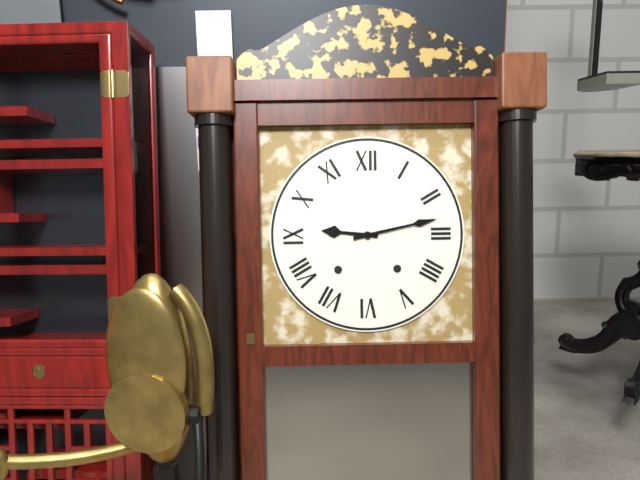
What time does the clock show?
9:13
